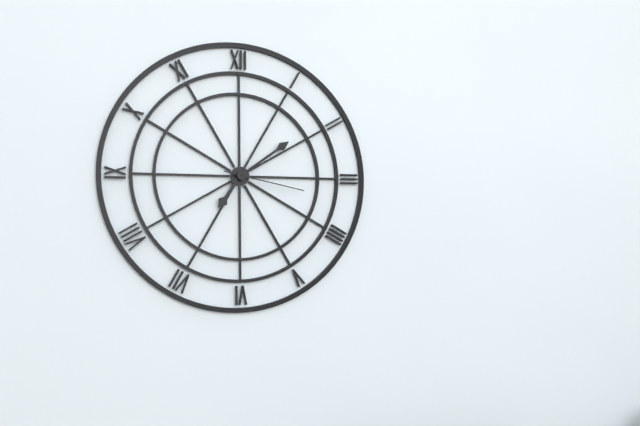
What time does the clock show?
7:09:17
